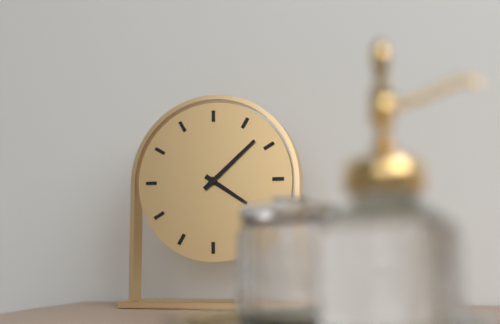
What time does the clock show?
4:08
